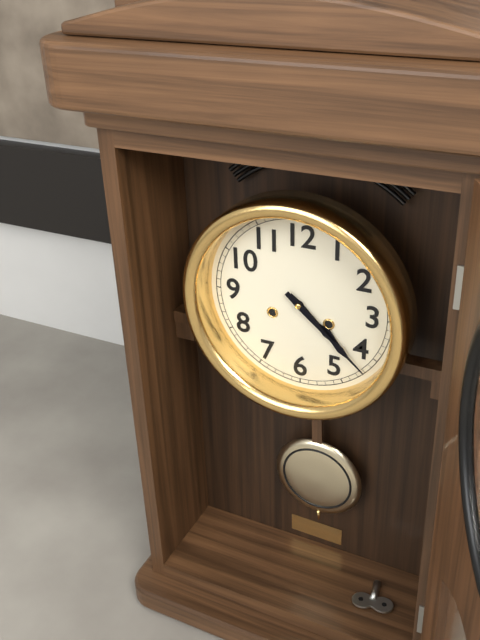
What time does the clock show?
4:22
